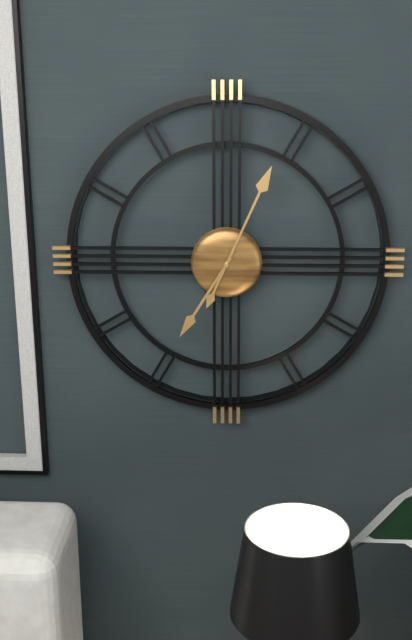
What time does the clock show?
7:04
